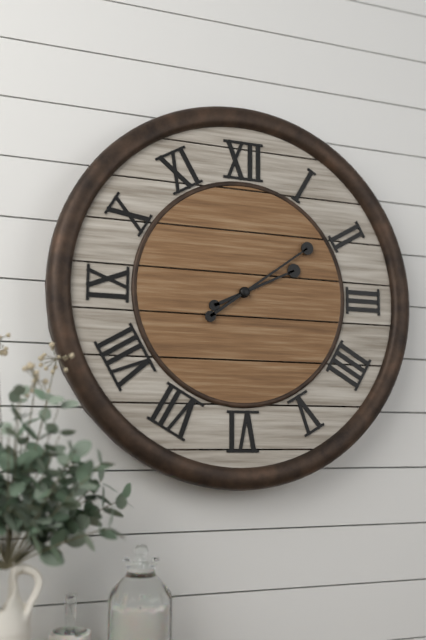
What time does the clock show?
2:09
